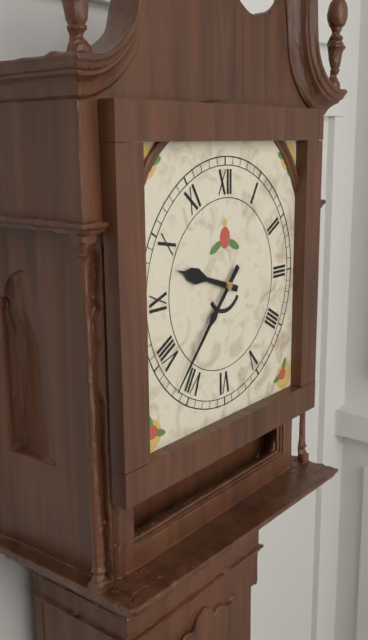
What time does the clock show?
9:37
